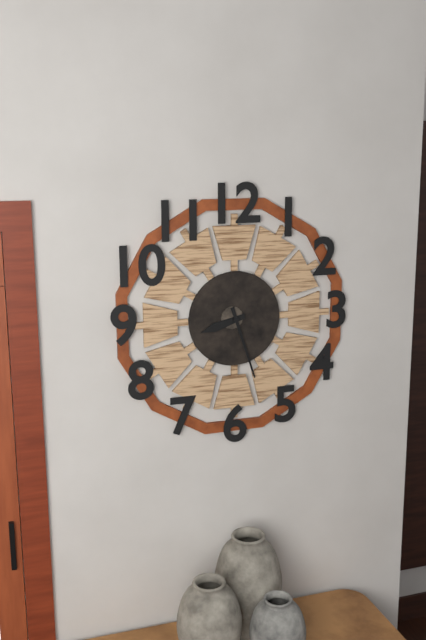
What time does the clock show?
8:27
